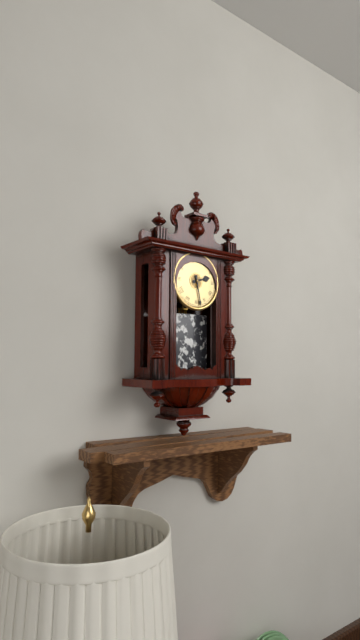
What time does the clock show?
2:28
